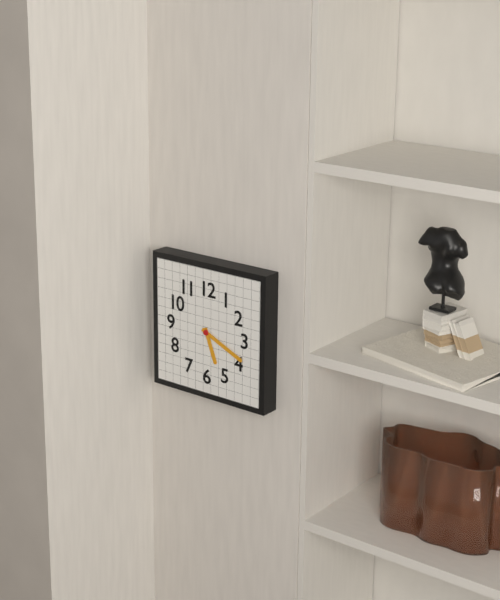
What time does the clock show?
5:19
